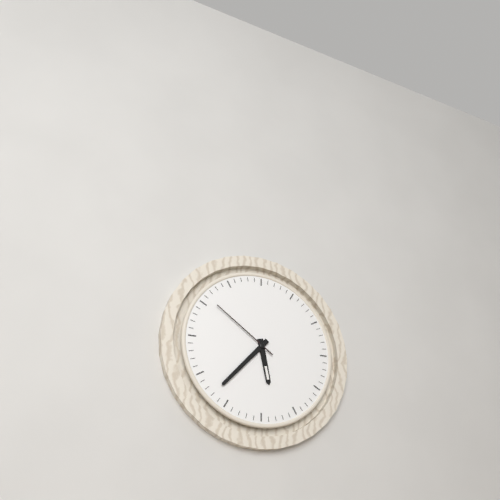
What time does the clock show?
5:37:51
